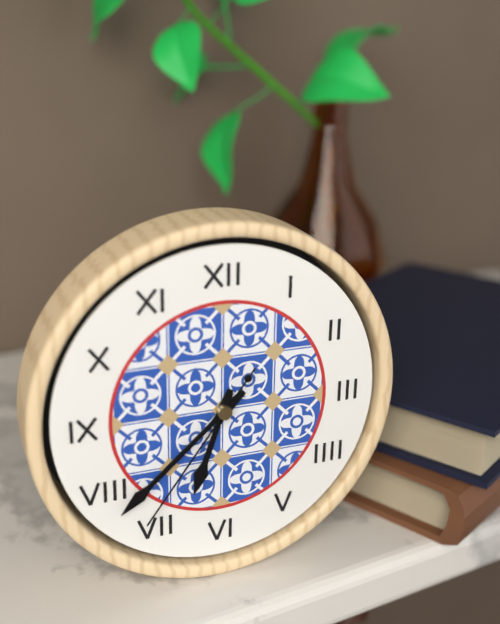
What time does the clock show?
6:38:36
